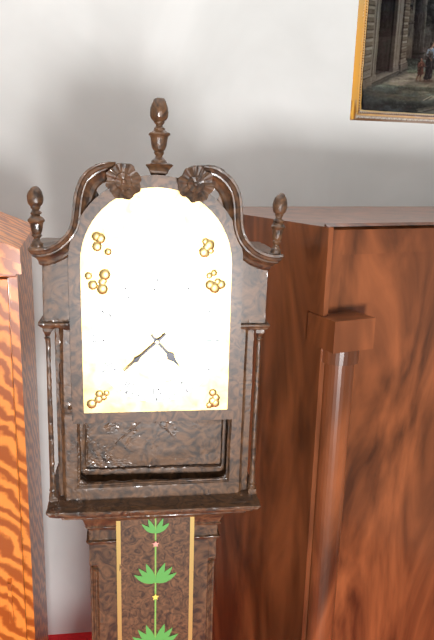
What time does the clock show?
4:38
